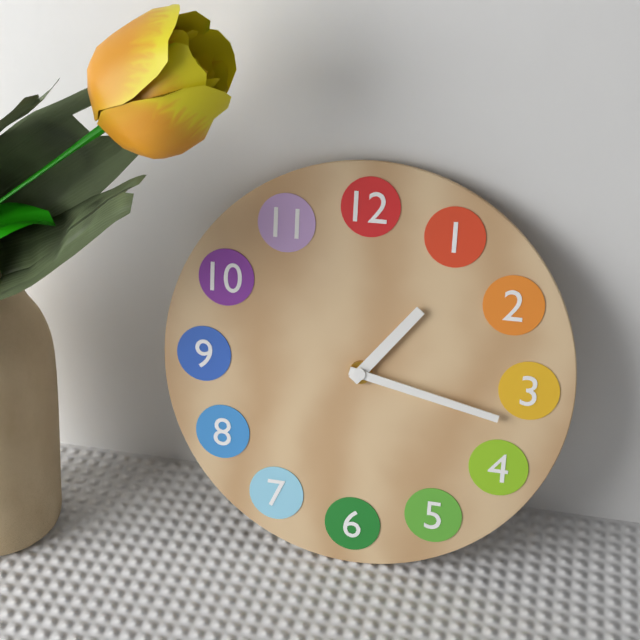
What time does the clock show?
1:17
